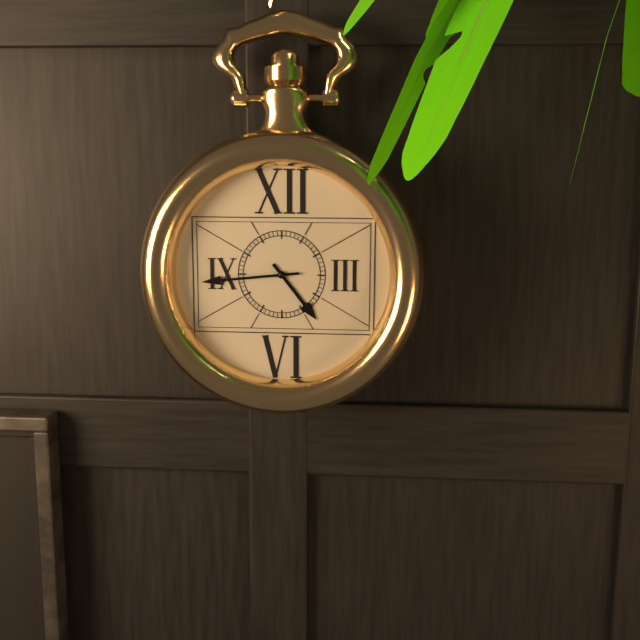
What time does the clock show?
4:44
